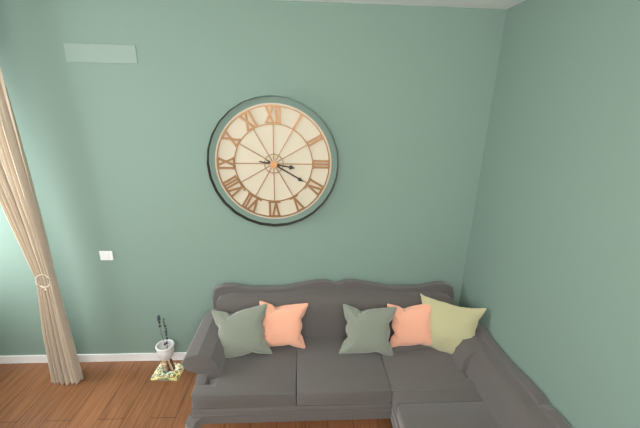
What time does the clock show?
3:20
